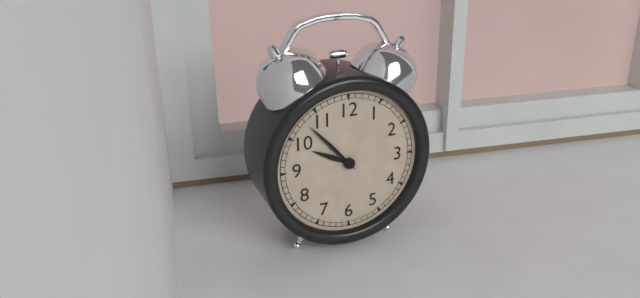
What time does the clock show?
9:53
